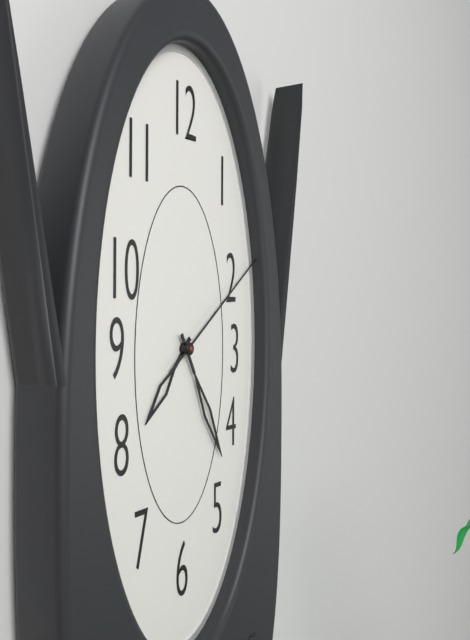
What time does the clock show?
7:25:09
